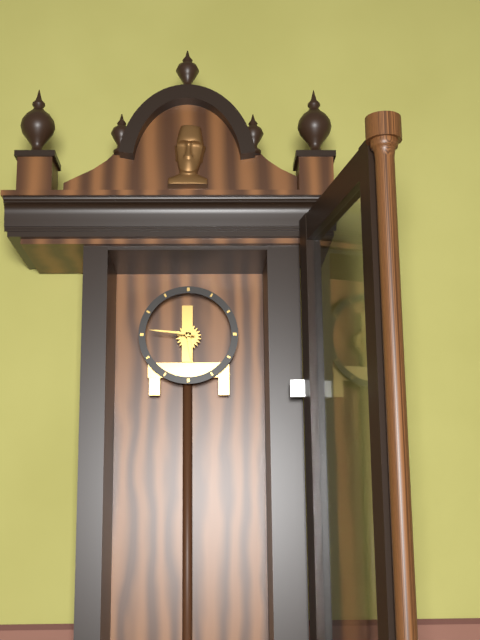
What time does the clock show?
5:46
